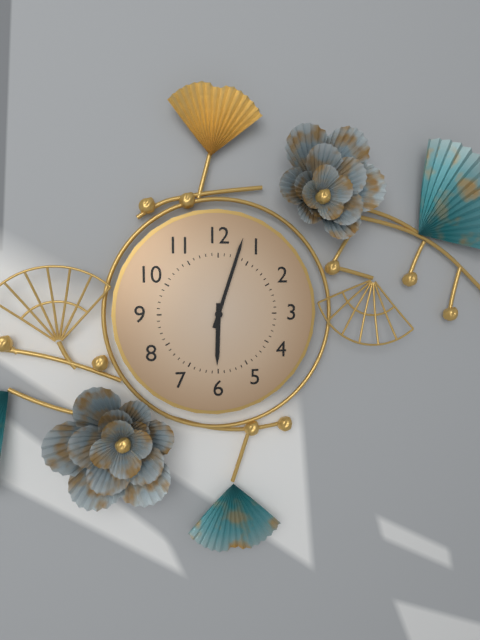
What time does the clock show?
6:03
